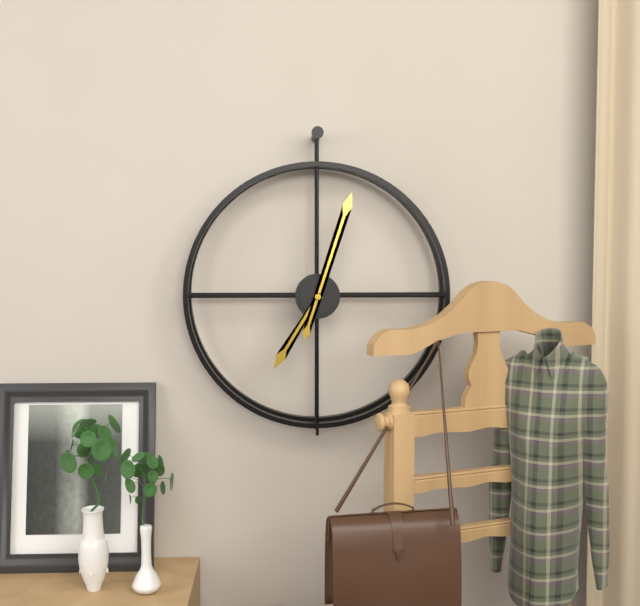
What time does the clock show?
7:03
